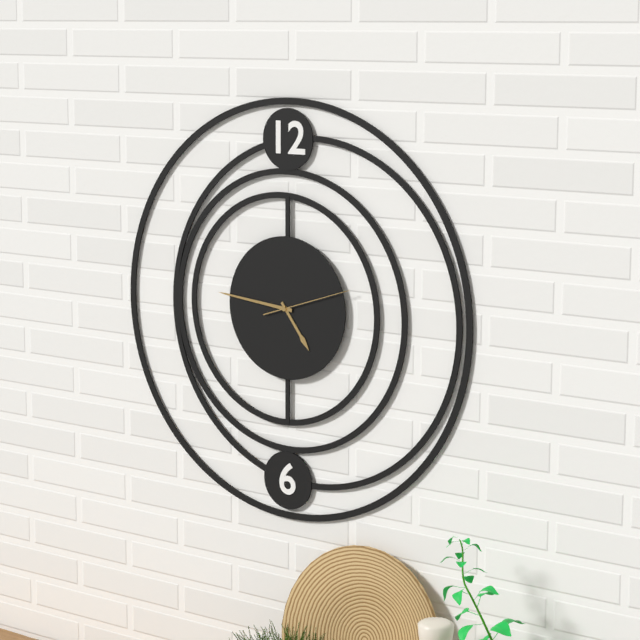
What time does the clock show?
4:46:12
